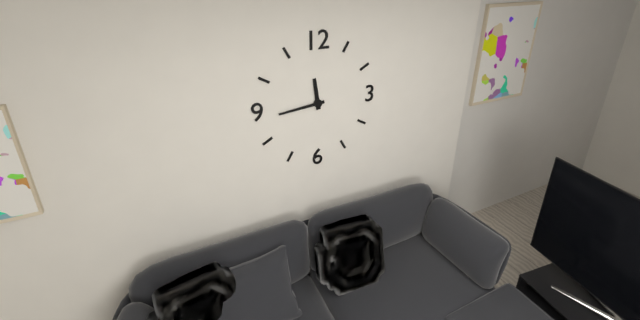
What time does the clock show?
11:44
